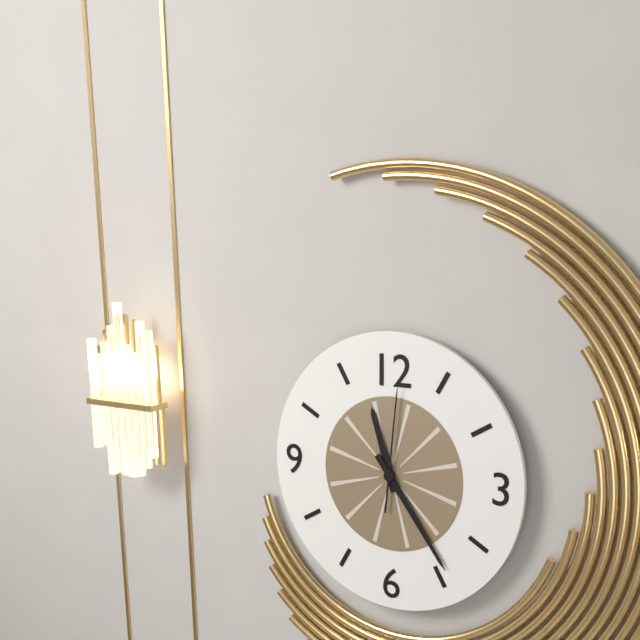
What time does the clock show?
11:24:01
